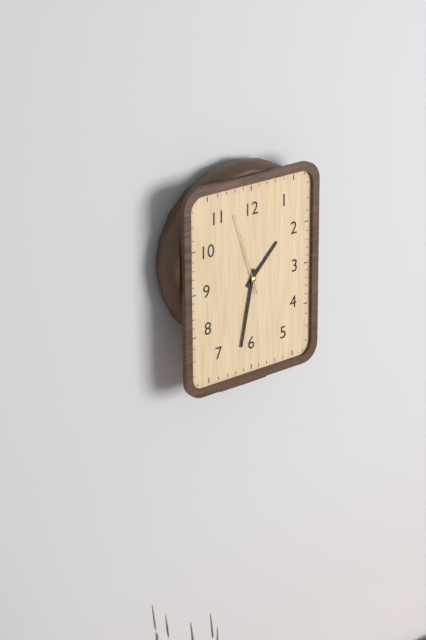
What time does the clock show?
1:32:57
